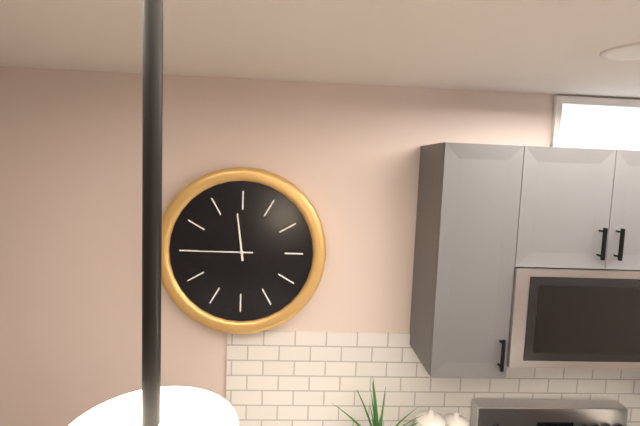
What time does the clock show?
11:45
